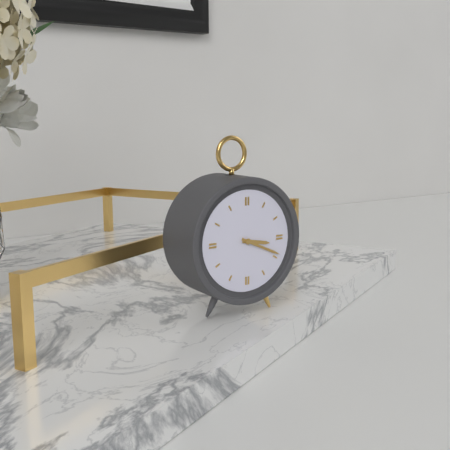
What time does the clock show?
3:19
